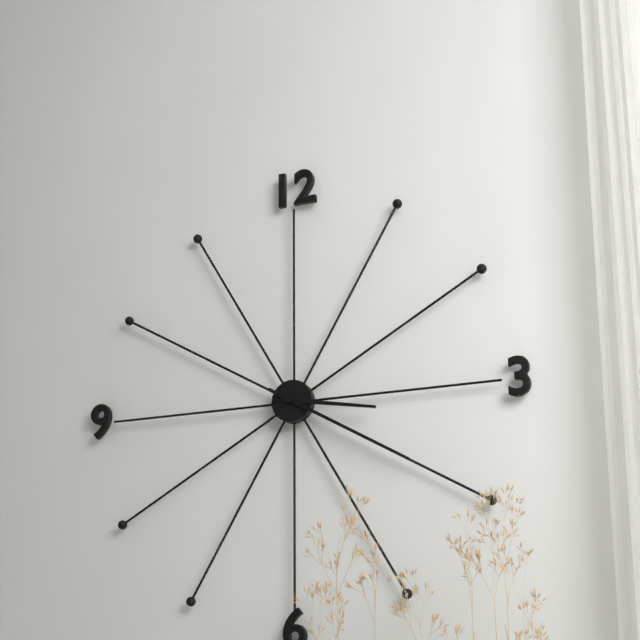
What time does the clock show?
3:20
